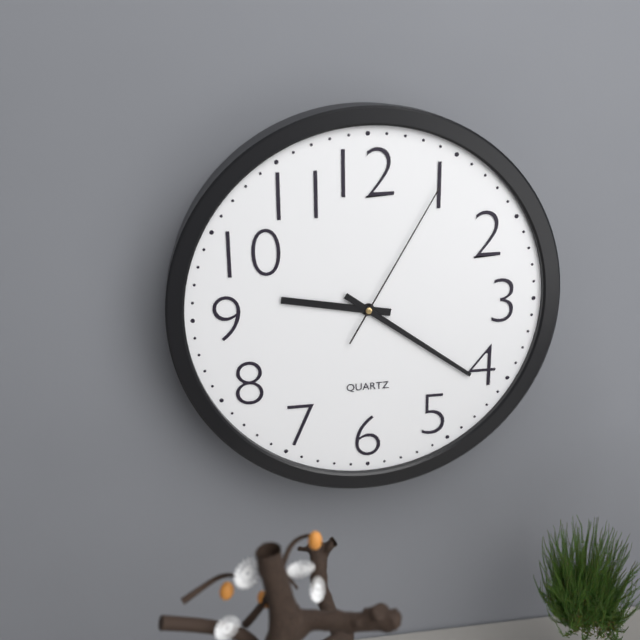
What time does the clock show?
9:21:05
